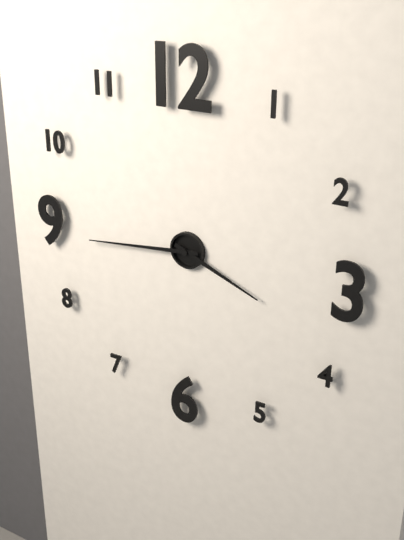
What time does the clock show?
3:44
